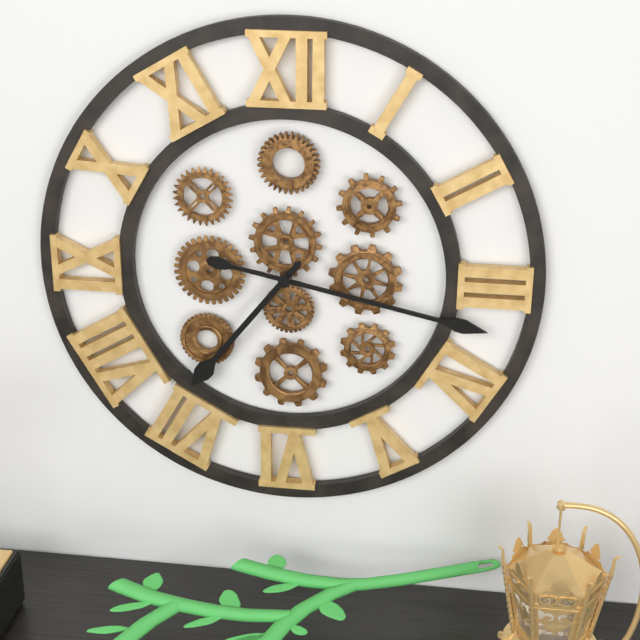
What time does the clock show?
7:17
